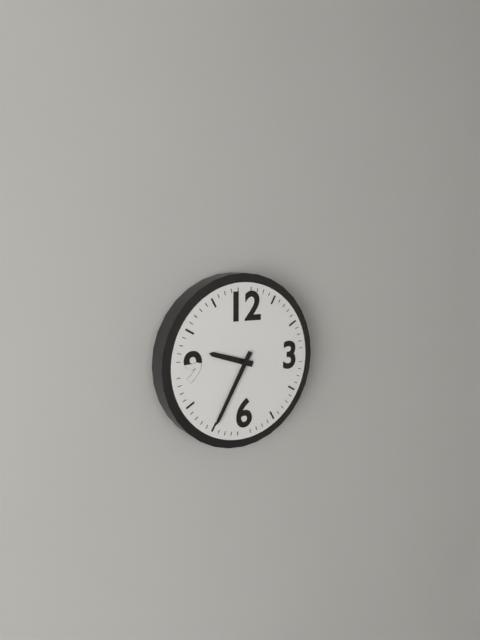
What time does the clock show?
9:35
